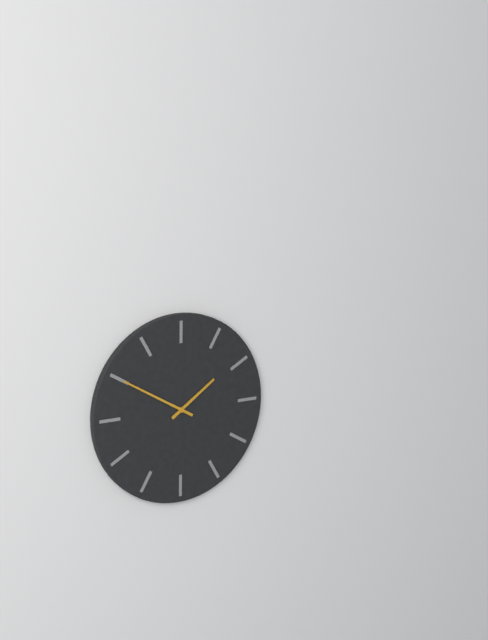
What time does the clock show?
1:50
